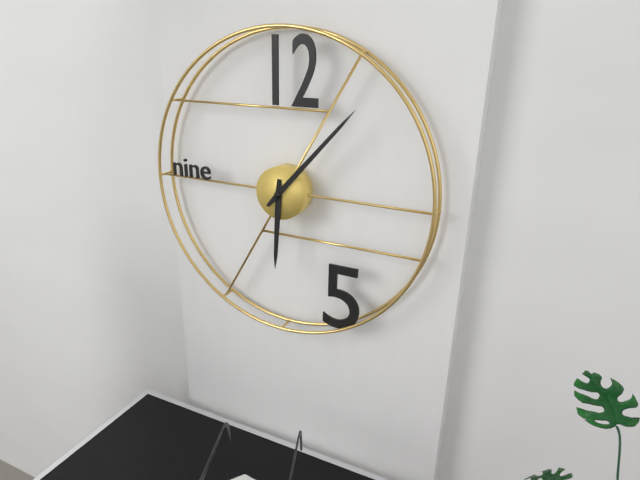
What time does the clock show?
6:07
